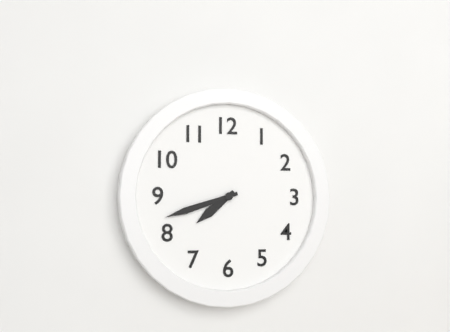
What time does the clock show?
7:42
